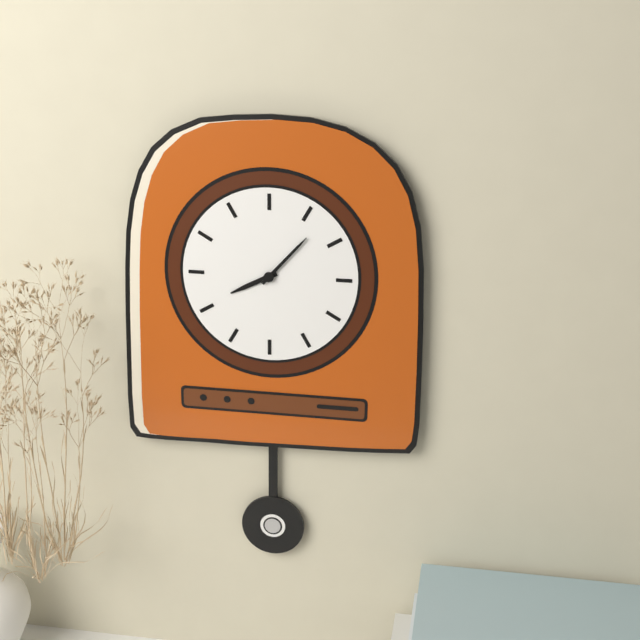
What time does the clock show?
8:07
